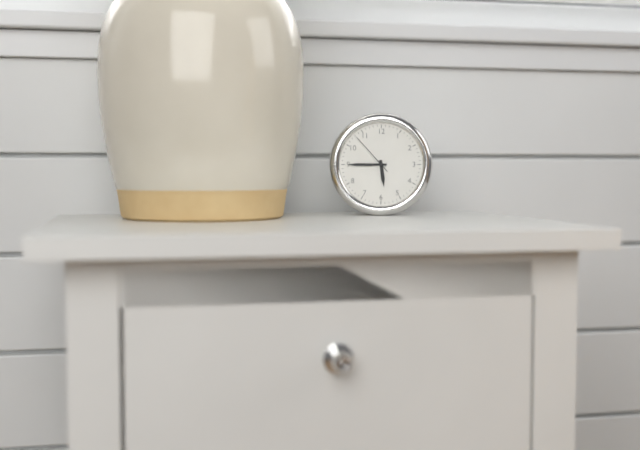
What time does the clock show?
5:45
